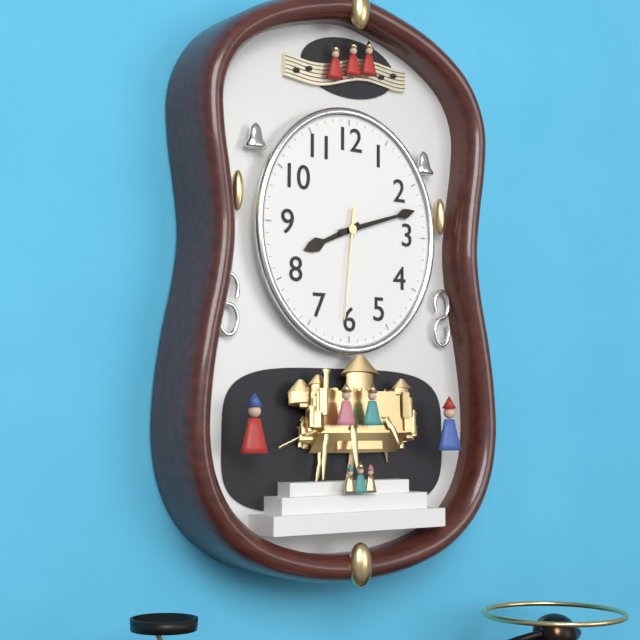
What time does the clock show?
8:12:31
